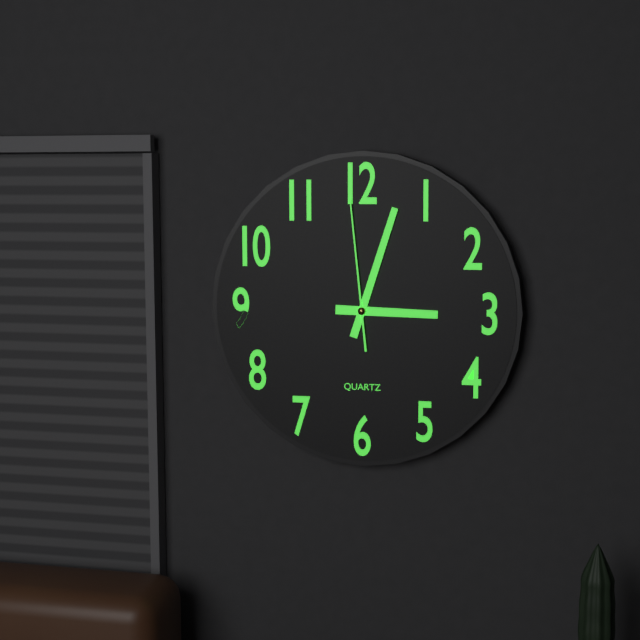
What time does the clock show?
3:03:59
